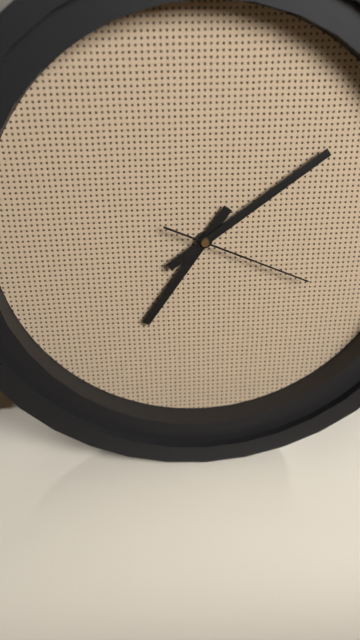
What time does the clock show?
7:09:19
